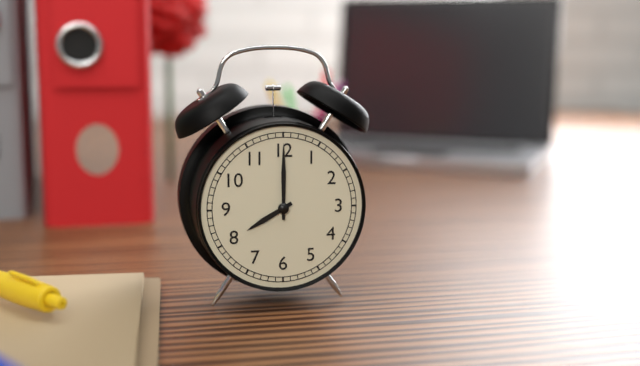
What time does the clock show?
8:00
